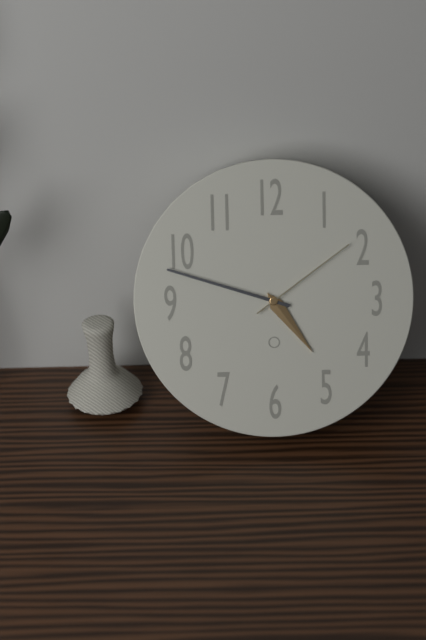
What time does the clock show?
4:48:09
